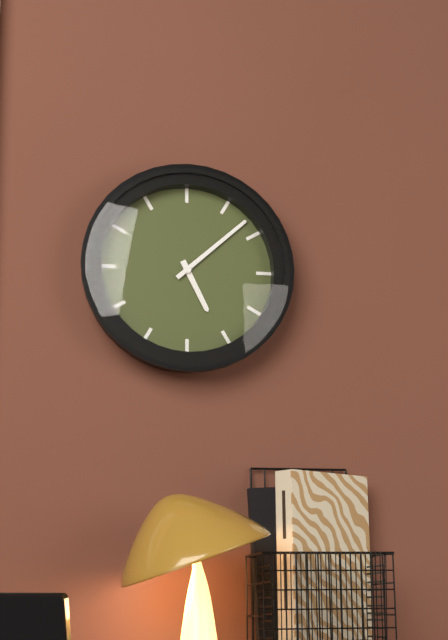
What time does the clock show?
5:08
